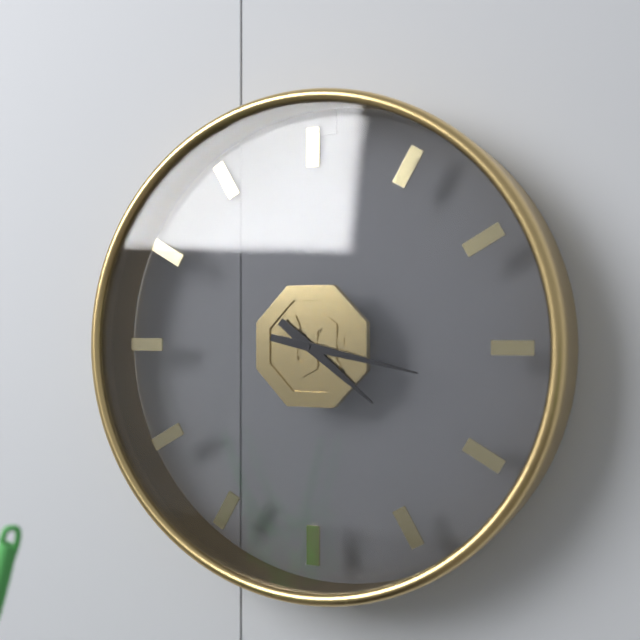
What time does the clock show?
4:17
